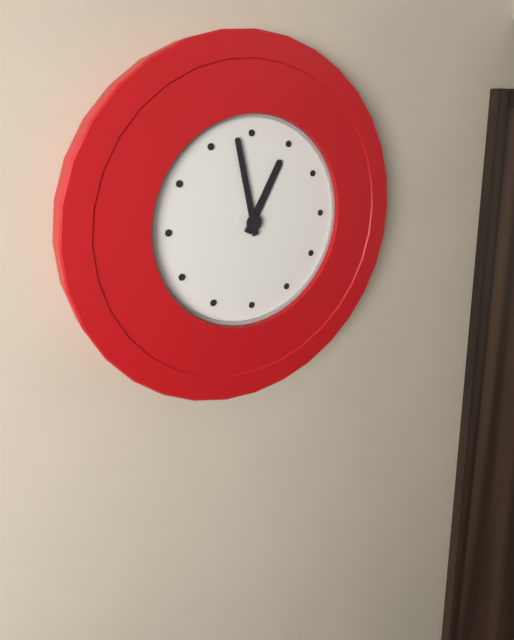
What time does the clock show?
12:58
